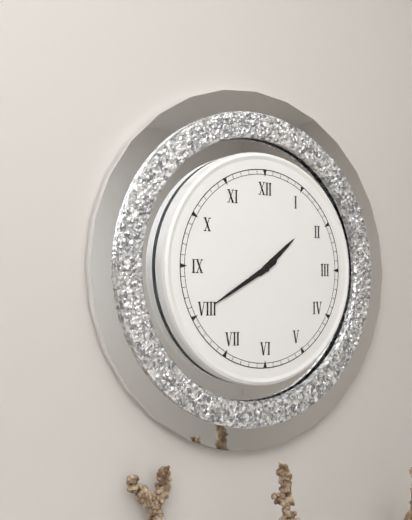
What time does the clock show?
1:40
